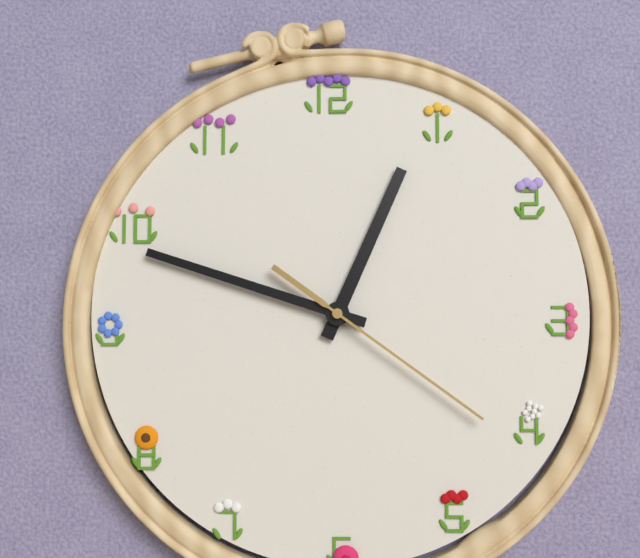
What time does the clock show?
12:48:21
